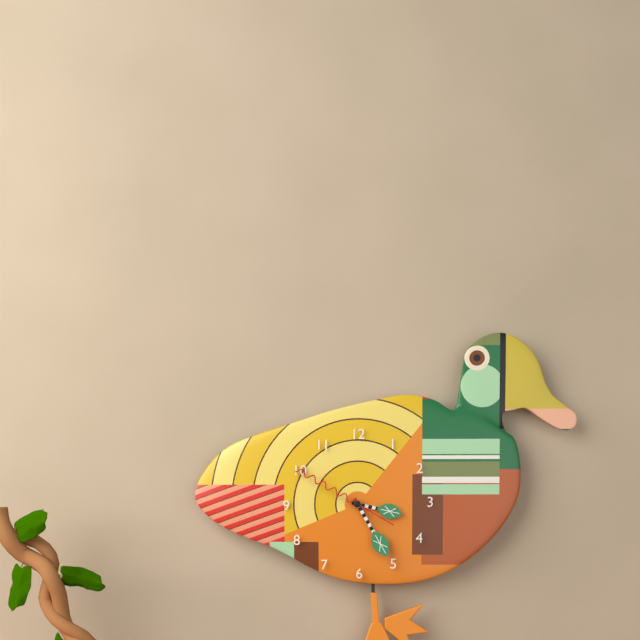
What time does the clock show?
3:25:50
